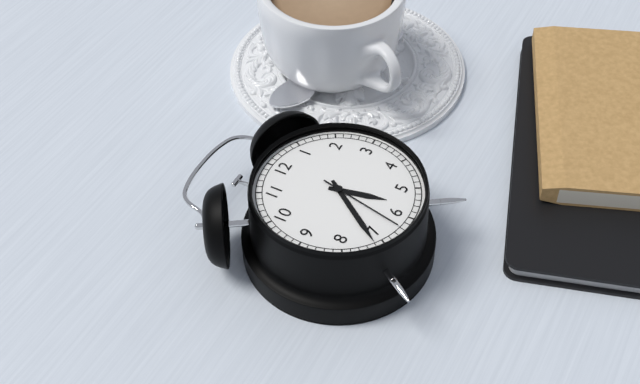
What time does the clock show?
5:36:32
